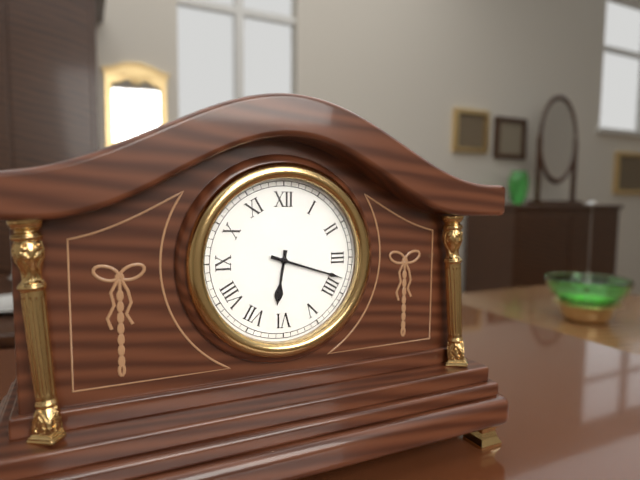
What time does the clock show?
6:18
